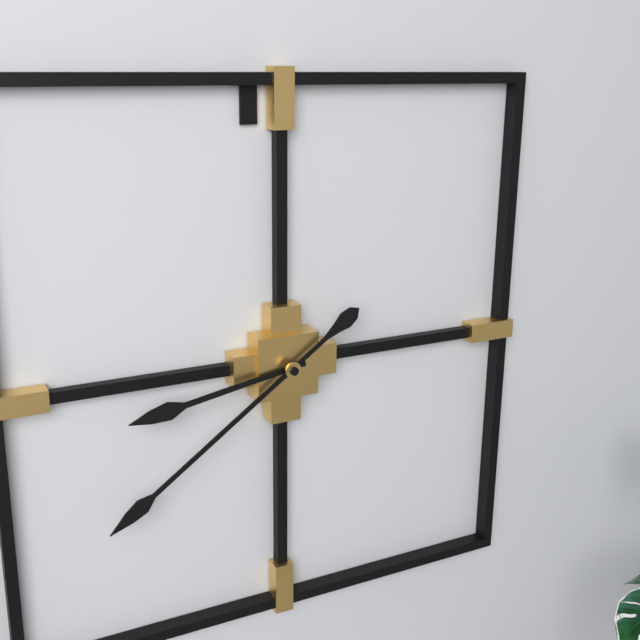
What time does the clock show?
8:39
